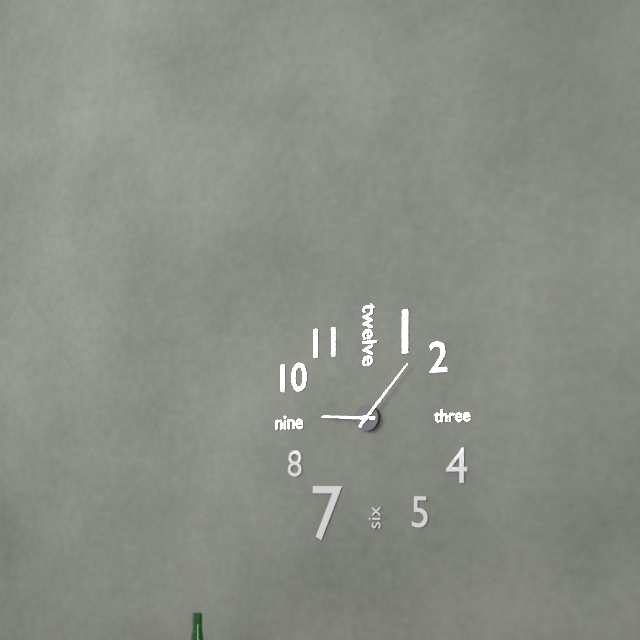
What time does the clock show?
9:07
